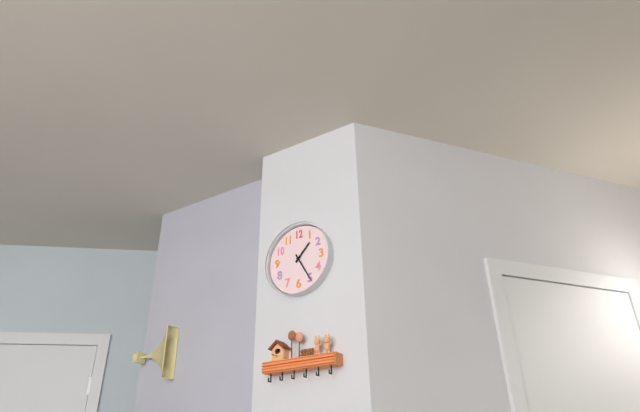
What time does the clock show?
1:25
